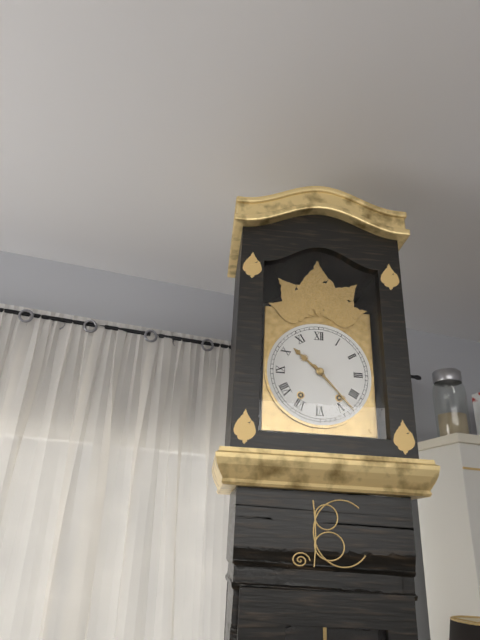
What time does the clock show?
10:23
